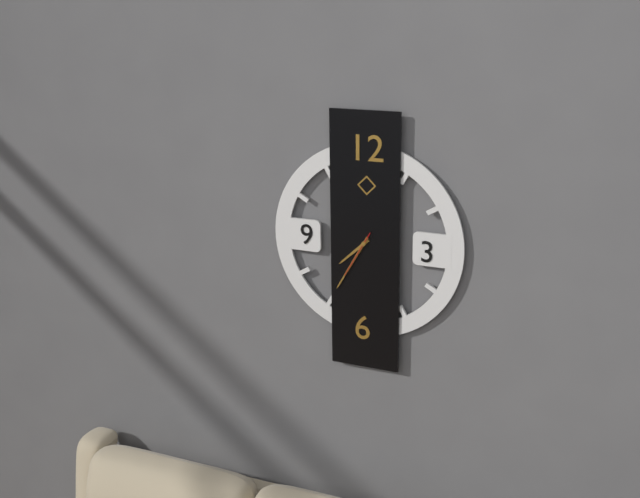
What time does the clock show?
7:35:35
